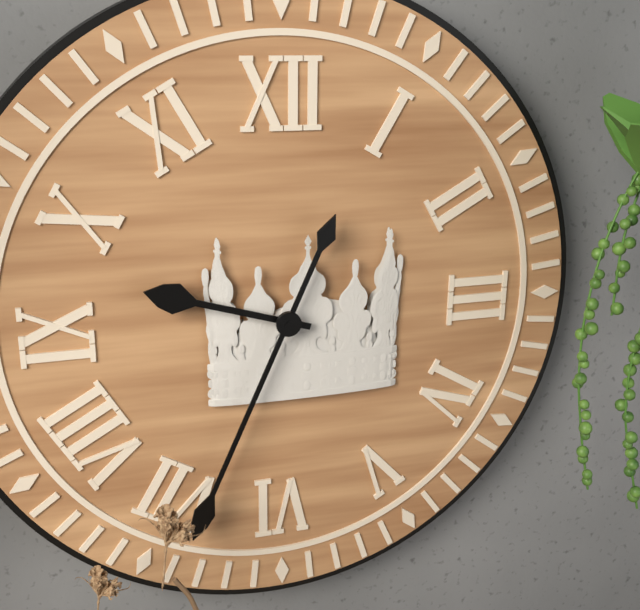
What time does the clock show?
9:34
